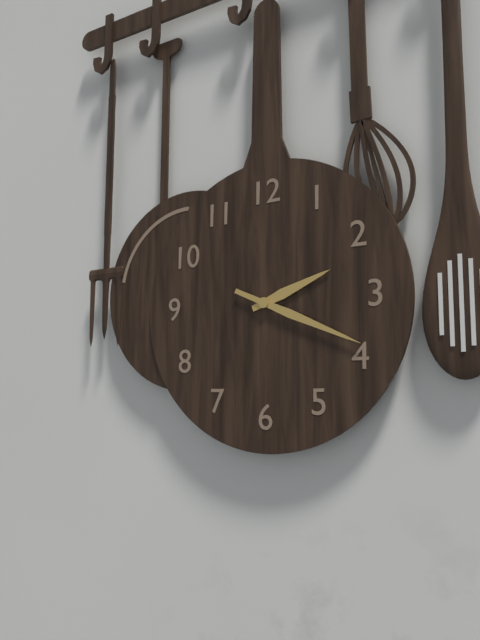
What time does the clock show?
2:19
